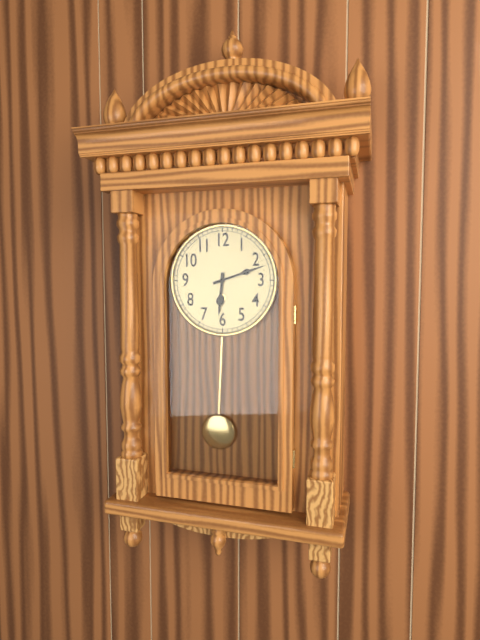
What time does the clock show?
6:12
